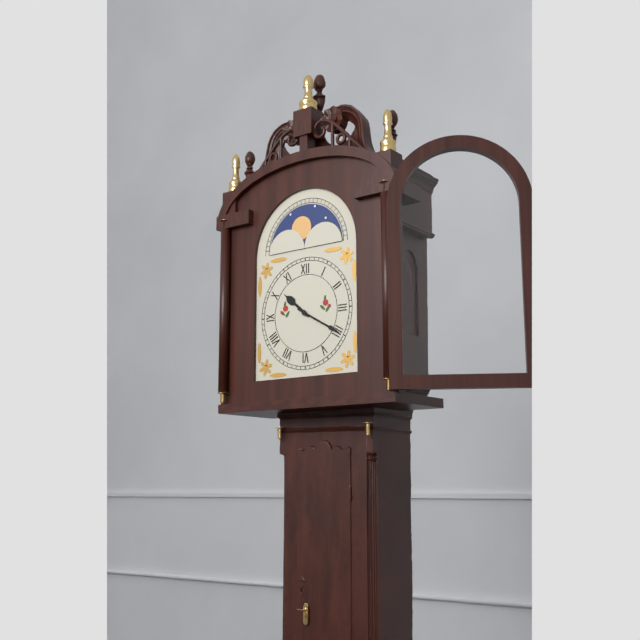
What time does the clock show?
10:20
